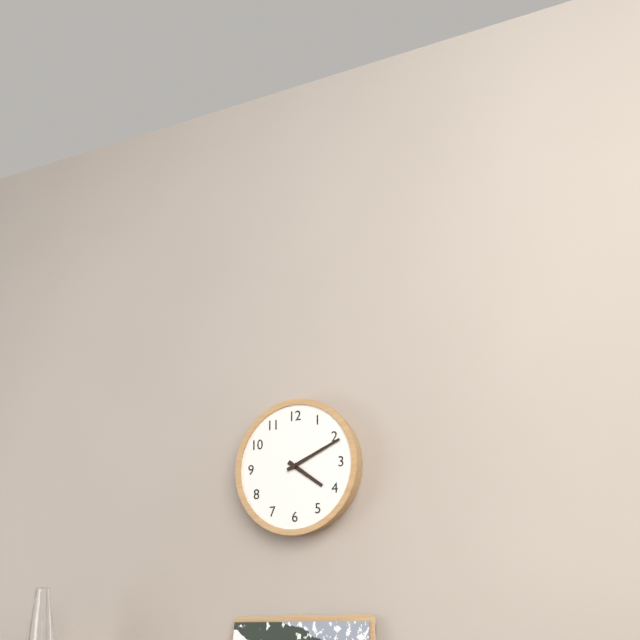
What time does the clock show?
4:11
